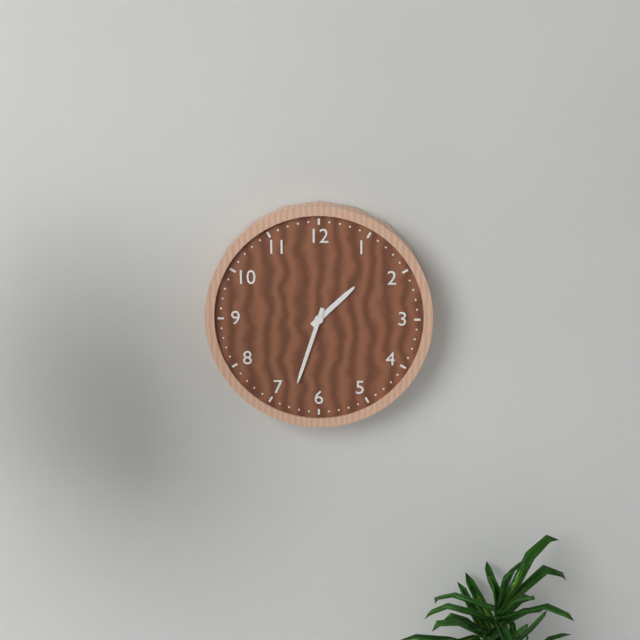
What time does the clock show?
1:33
